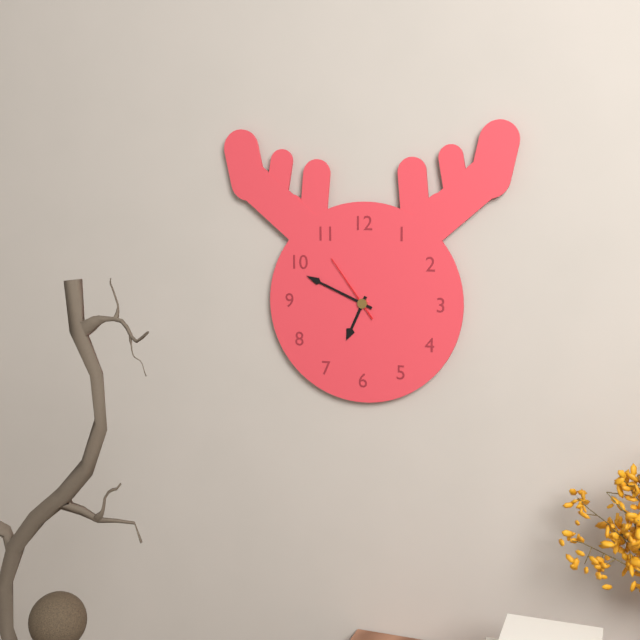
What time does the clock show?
6:49:54
